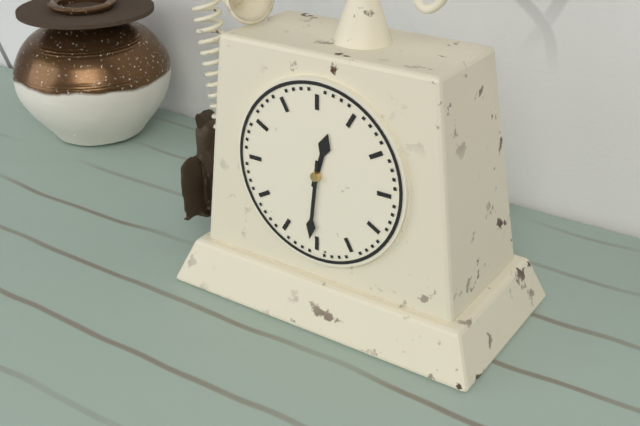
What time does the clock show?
12:31
